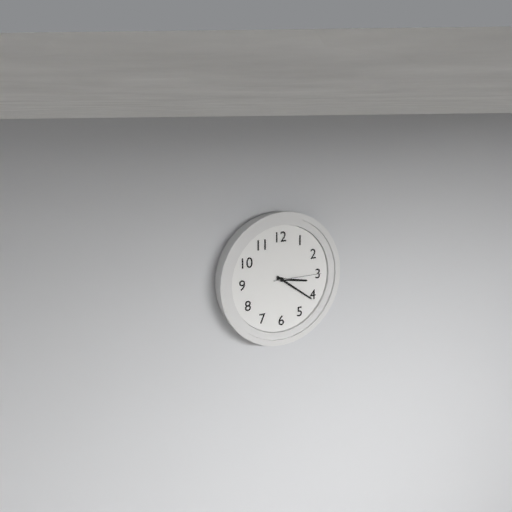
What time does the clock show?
3:21:15
